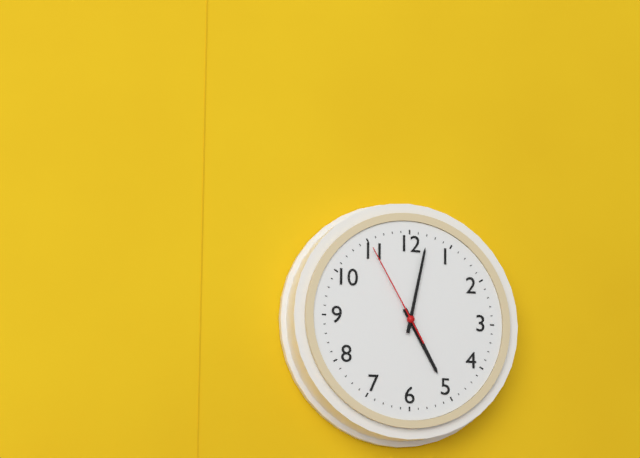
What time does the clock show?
5:02:55
